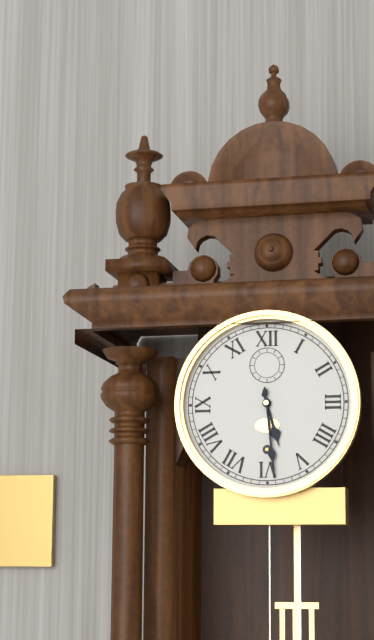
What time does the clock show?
5:29
